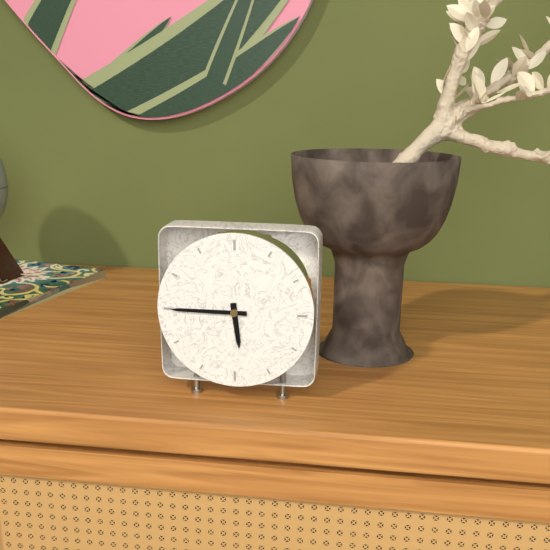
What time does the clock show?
5:45
